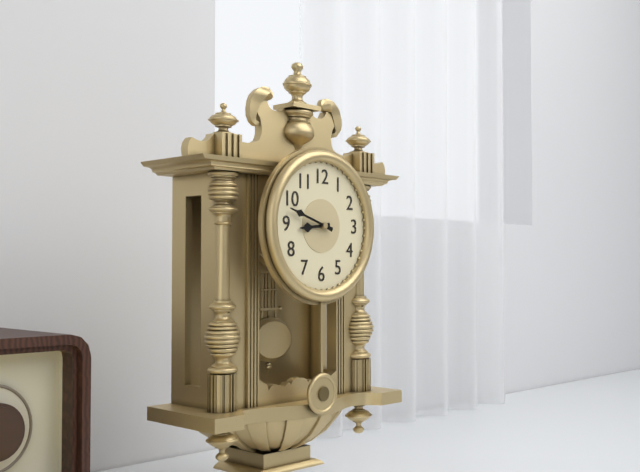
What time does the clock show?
8:48
